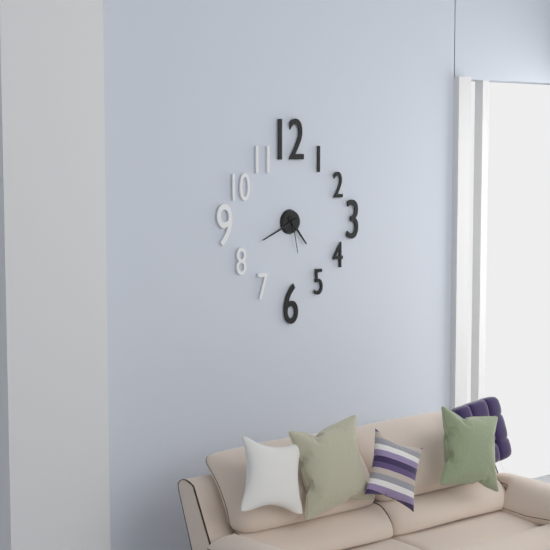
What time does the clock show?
4:41
